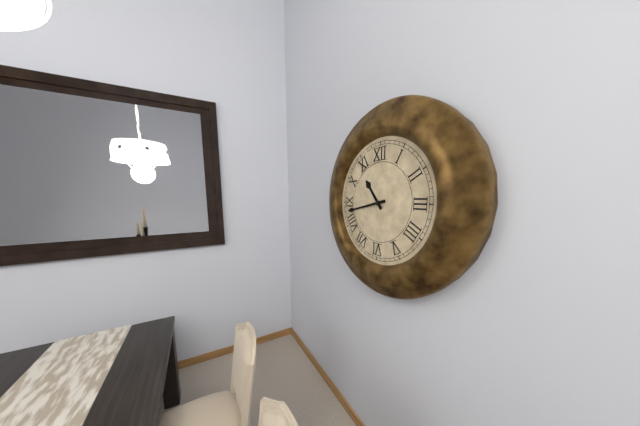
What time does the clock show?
10:43
